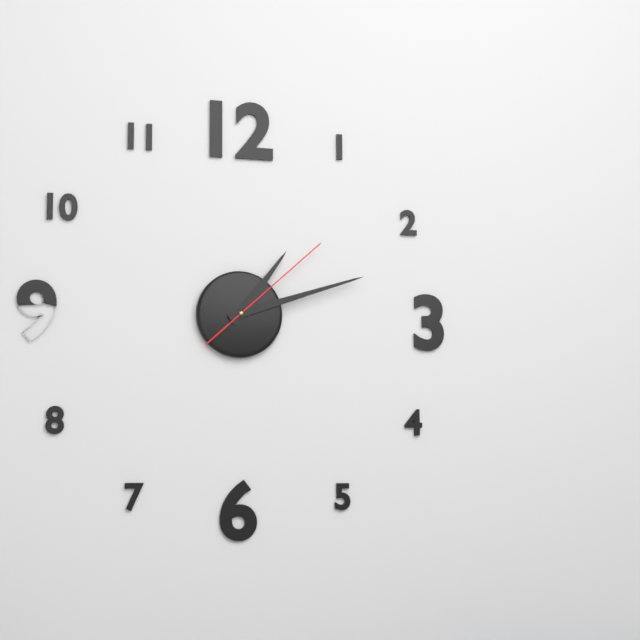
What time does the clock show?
1:12:08
